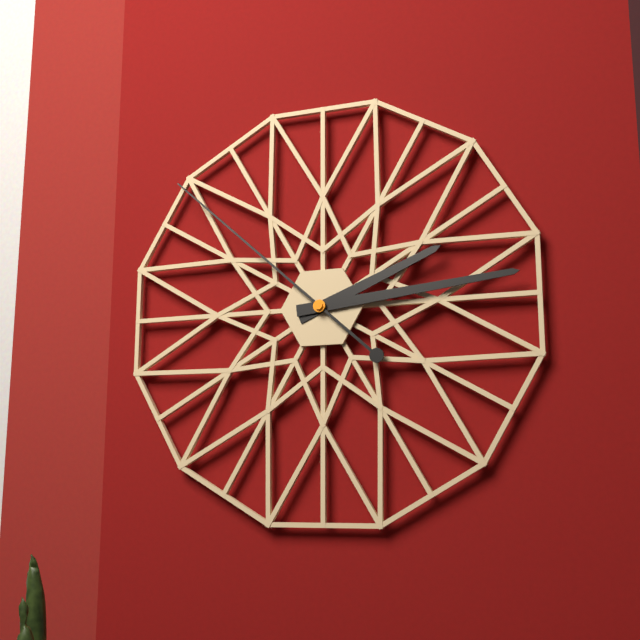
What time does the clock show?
2:14:52
